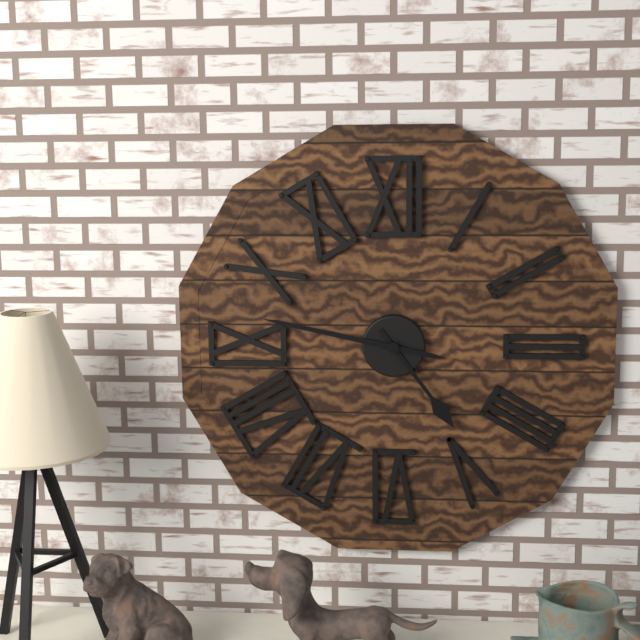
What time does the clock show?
4:47
